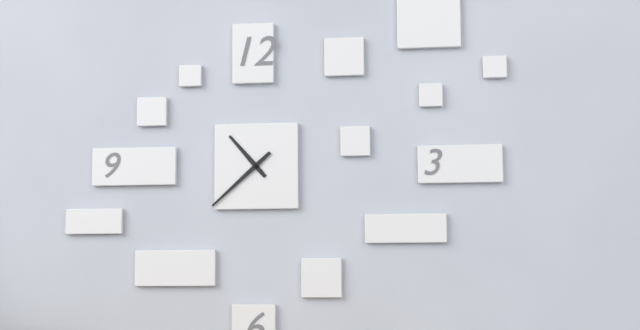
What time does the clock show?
10:38
